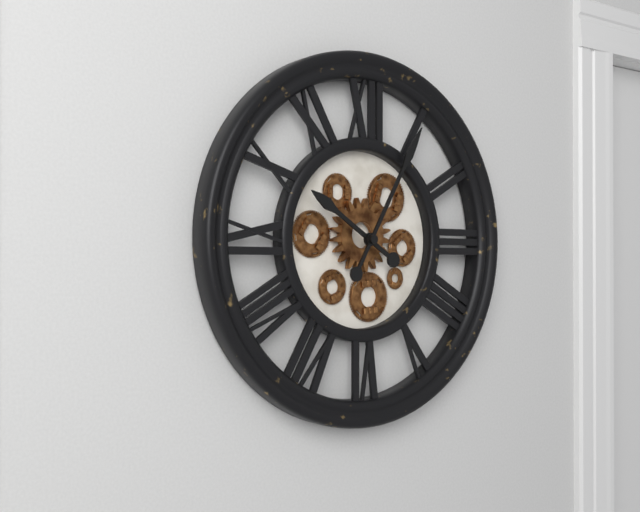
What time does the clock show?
10:05
